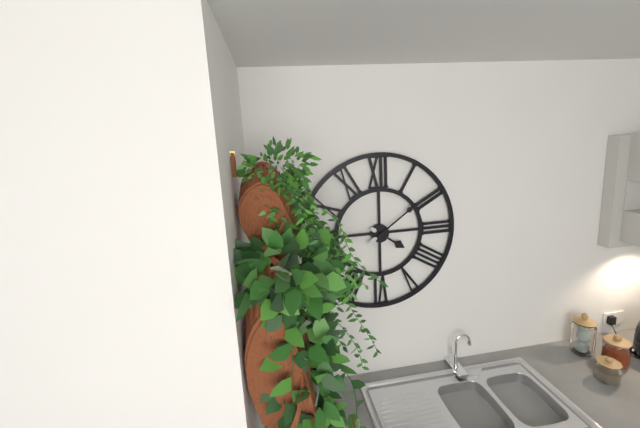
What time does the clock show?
4:09
